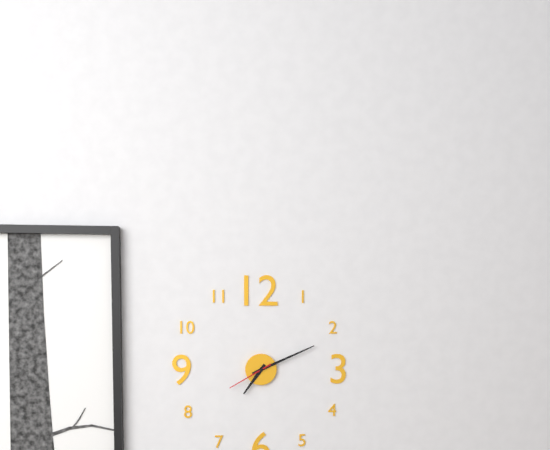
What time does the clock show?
7:11
